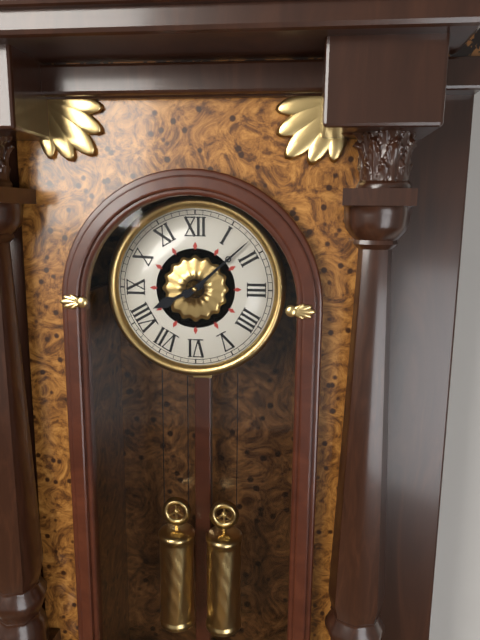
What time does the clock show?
8:08
